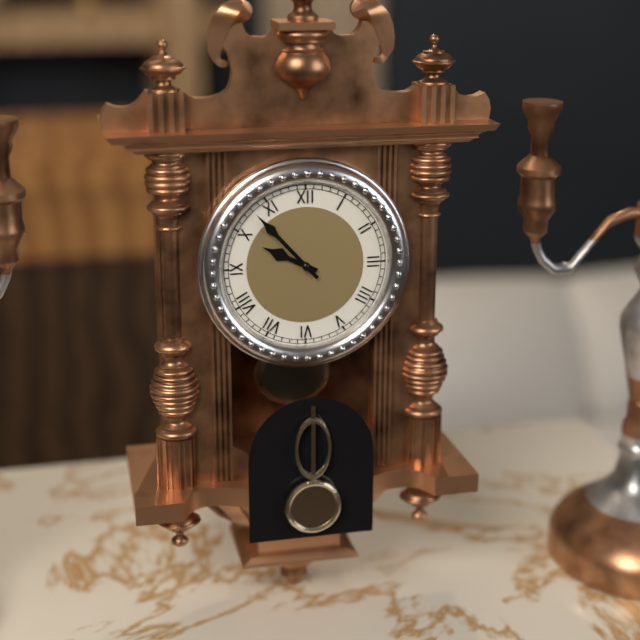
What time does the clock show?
9:53
